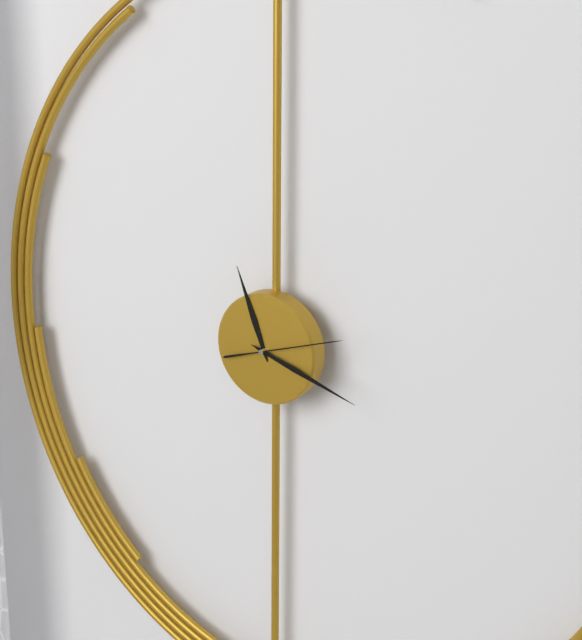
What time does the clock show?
11:18:12
